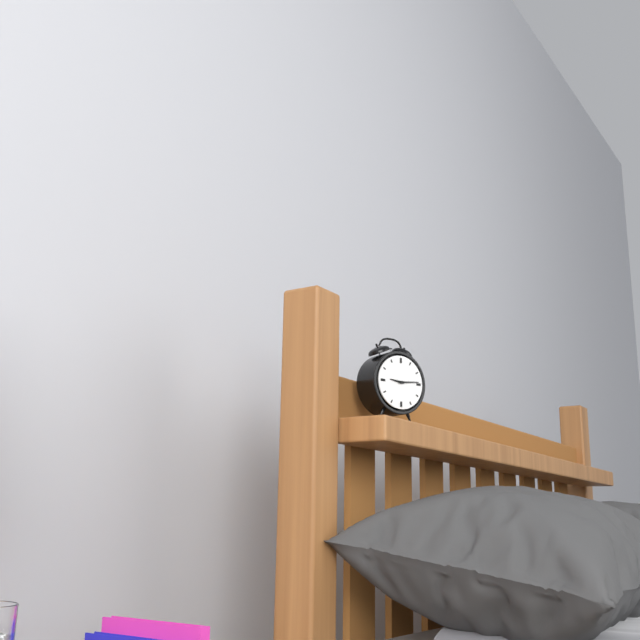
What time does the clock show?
9:14
